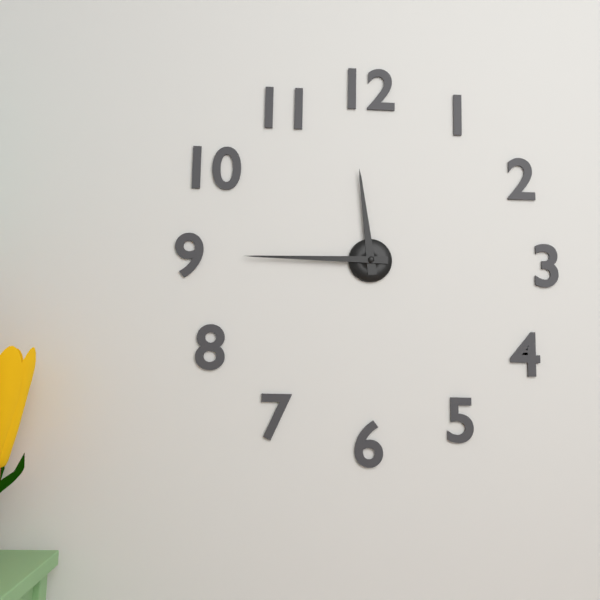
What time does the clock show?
11:45
